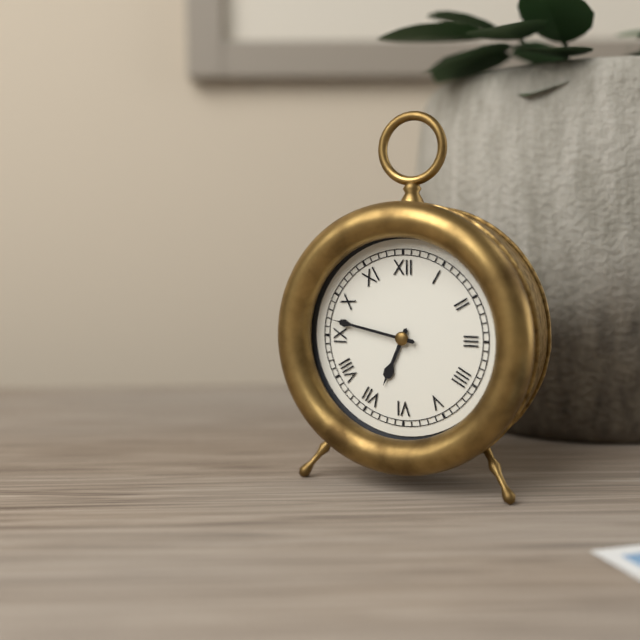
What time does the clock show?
6:47
